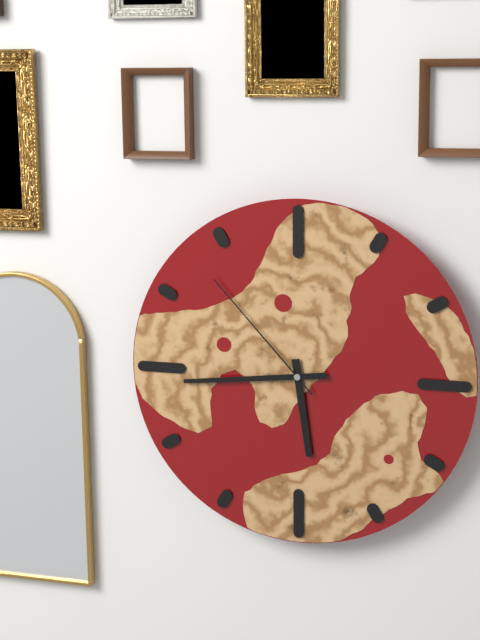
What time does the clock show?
5:44:53
